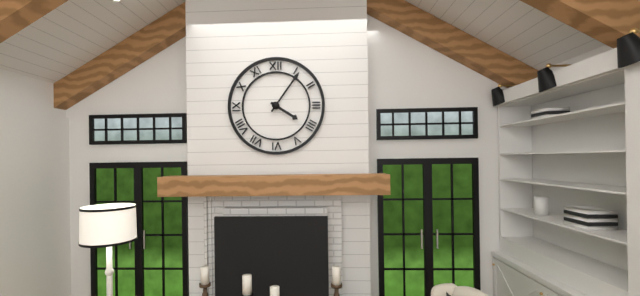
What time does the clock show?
4:06
